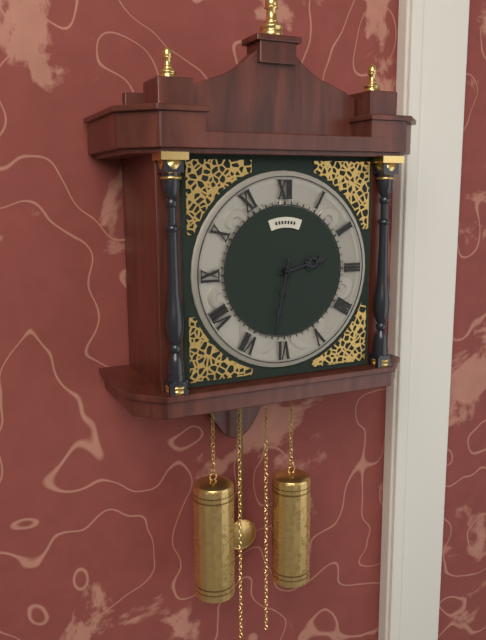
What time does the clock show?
2:32
